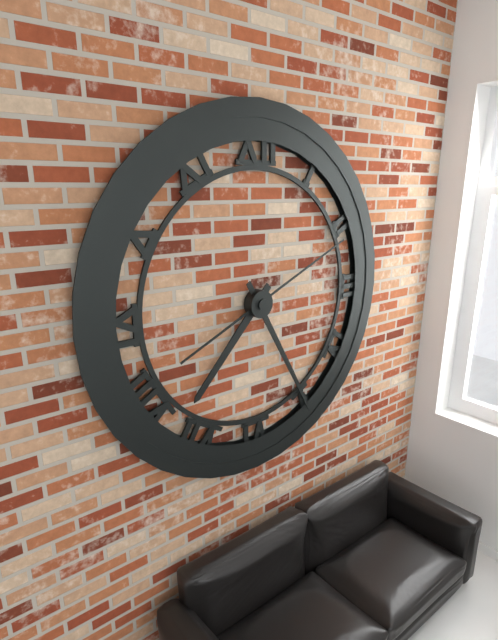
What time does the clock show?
7:25:11
